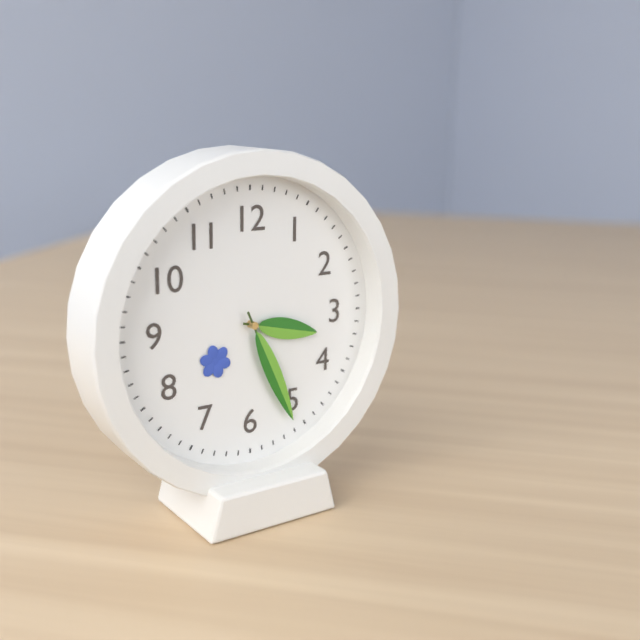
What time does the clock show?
3:26
